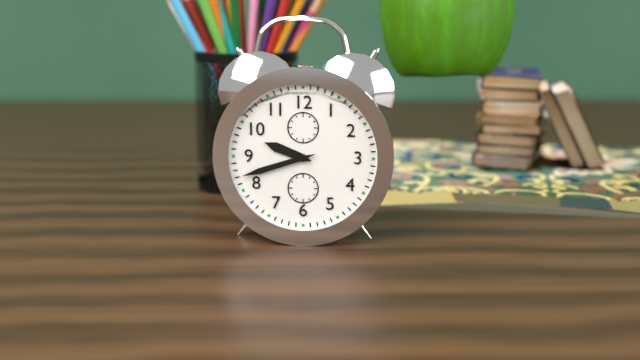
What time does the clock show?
9:42
